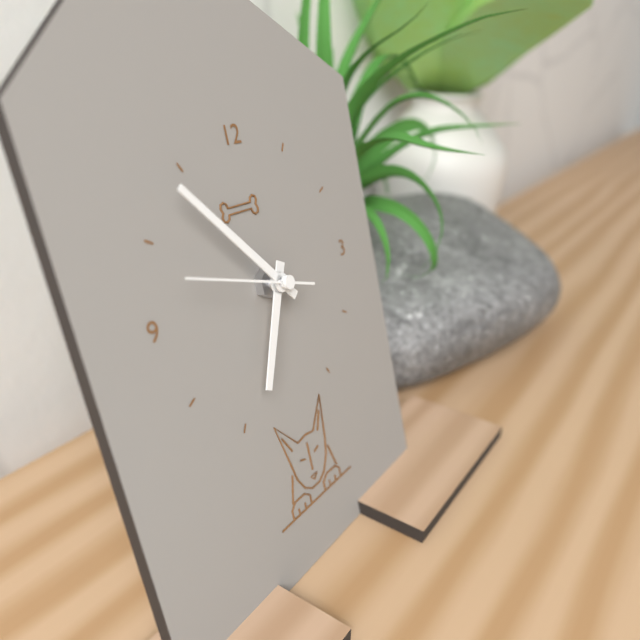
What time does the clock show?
6:53:48
